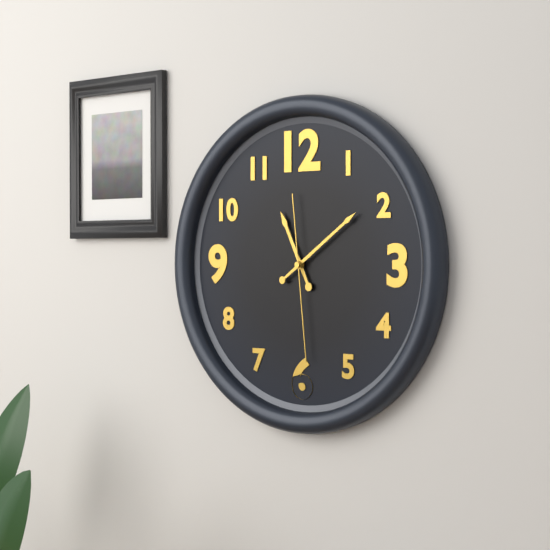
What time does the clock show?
11:09:29
